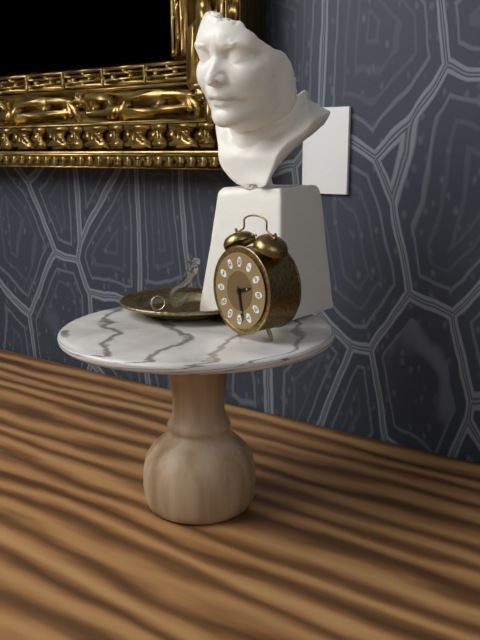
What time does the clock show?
2:28
